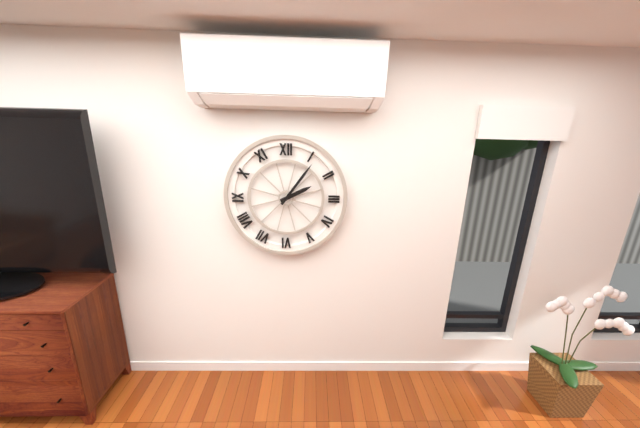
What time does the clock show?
2:06
